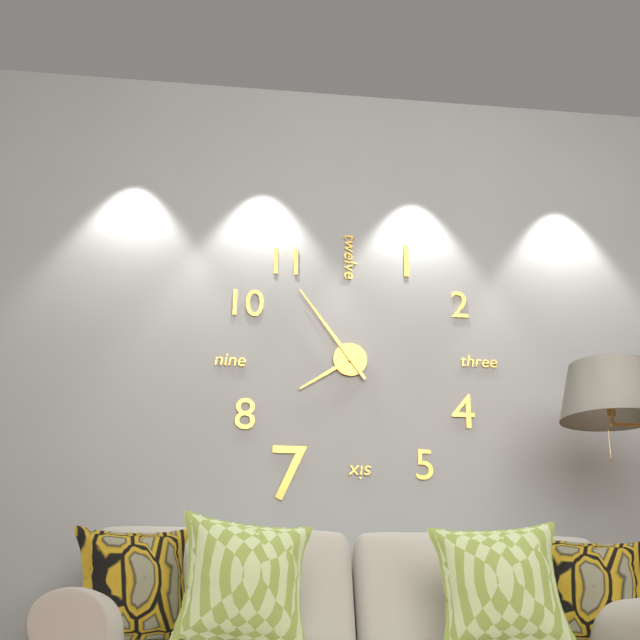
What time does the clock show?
7:54
